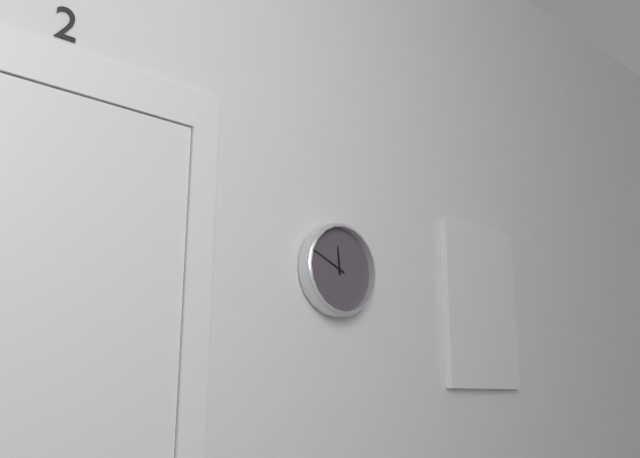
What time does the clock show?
11:49
